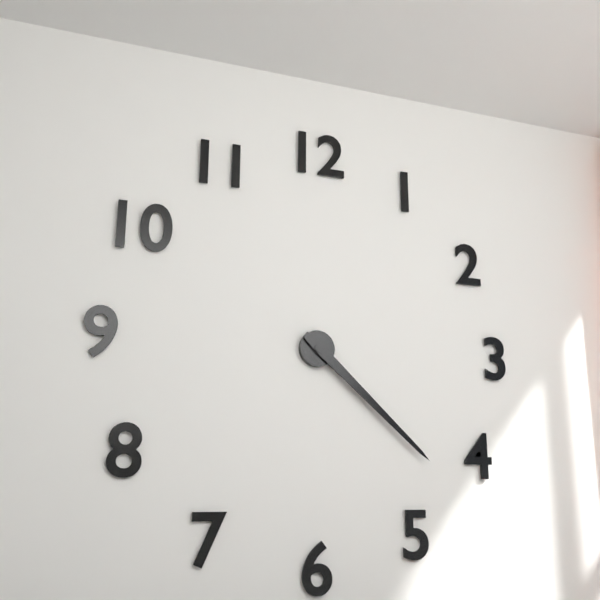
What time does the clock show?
4:22
